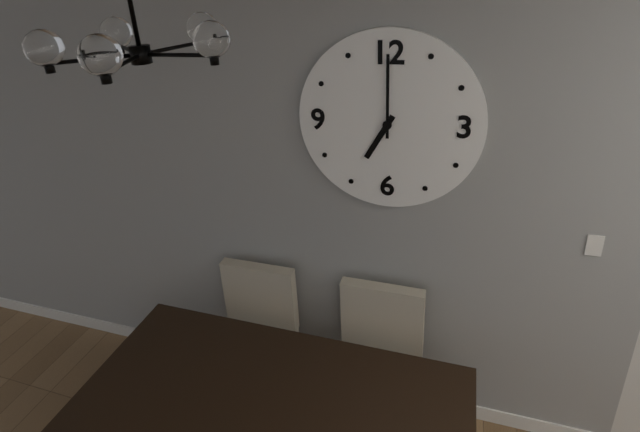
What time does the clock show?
7:00
